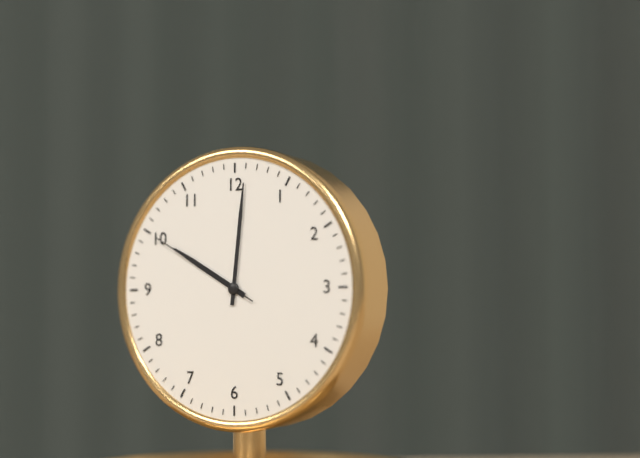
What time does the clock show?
10:01:50
